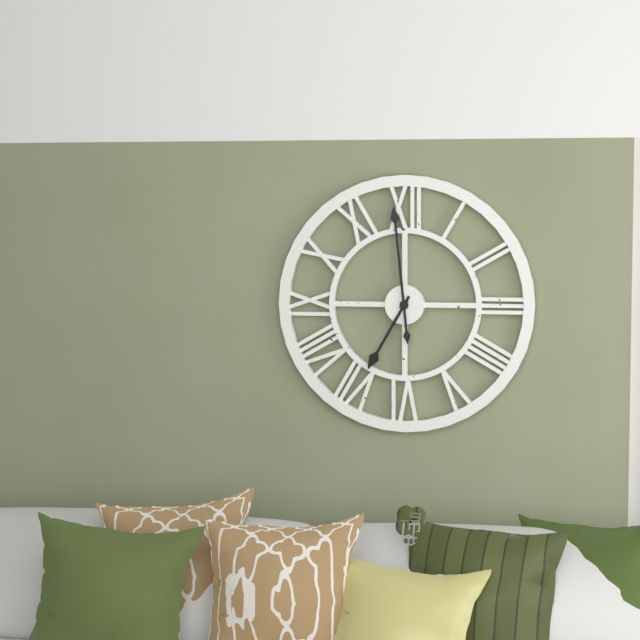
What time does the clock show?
6:59
